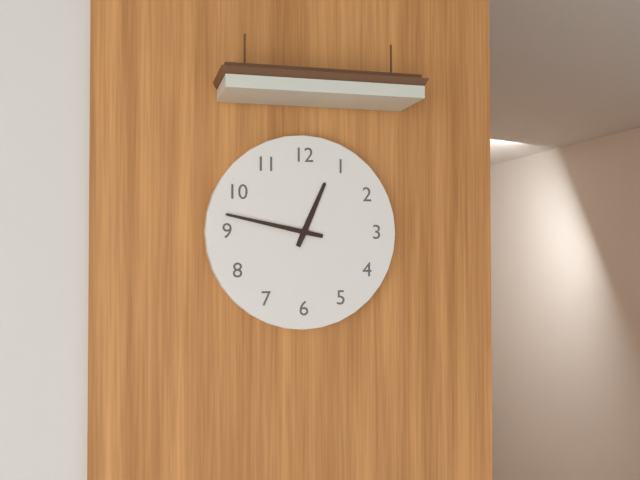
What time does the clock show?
12:47
